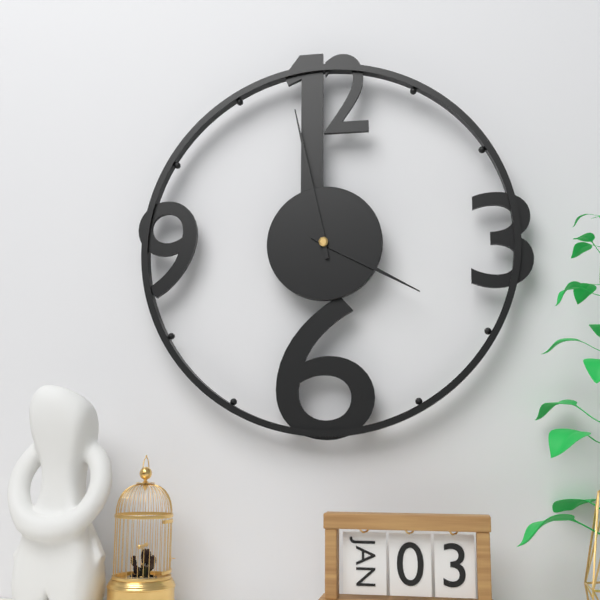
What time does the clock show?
3:58
